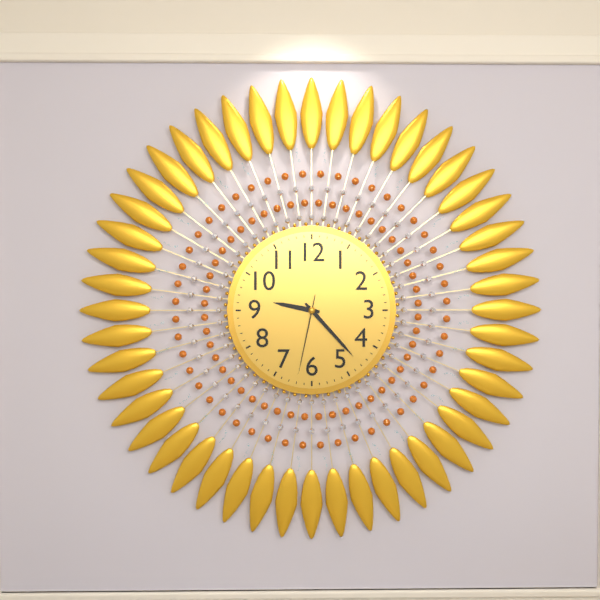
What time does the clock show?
9:23:32
